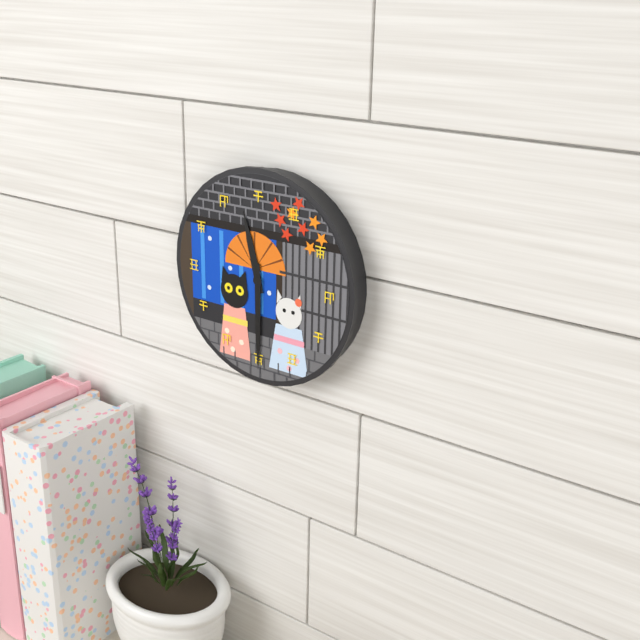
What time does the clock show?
11:30
